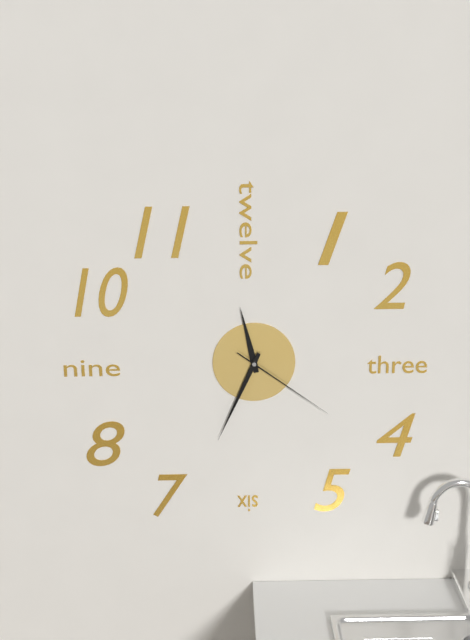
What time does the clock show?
11:34:21
